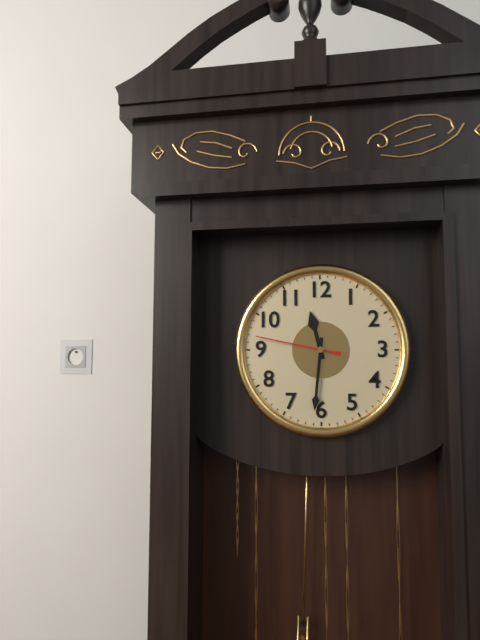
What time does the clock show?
11:31:47
